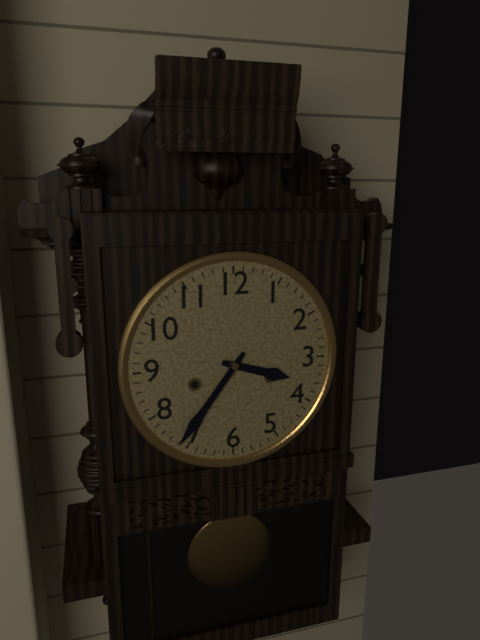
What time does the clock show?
3:36
